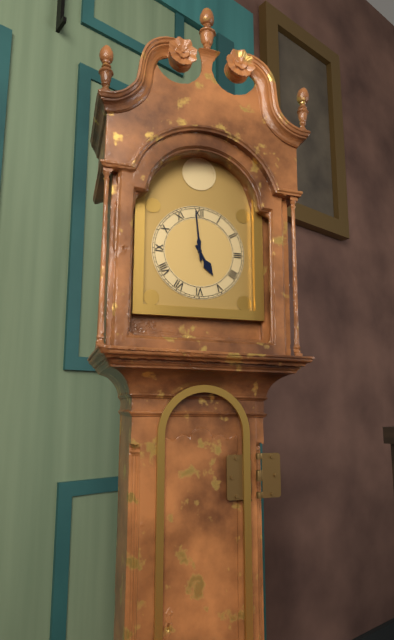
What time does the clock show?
4:59
